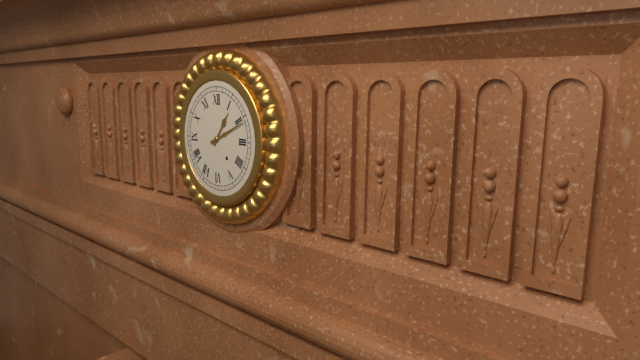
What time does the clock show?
1:11
